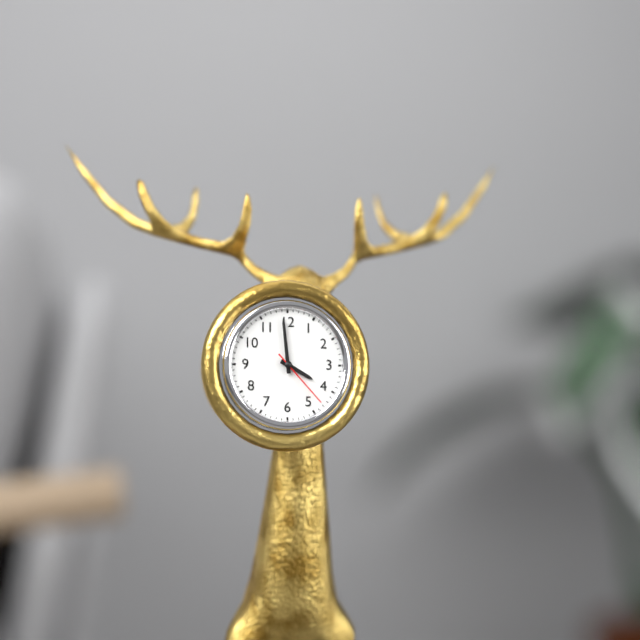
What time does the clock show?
3:59:23
